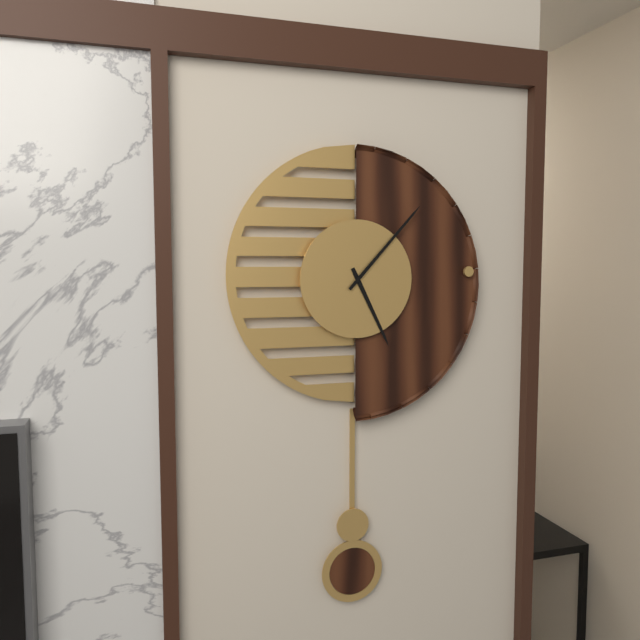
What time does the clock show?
5:07
